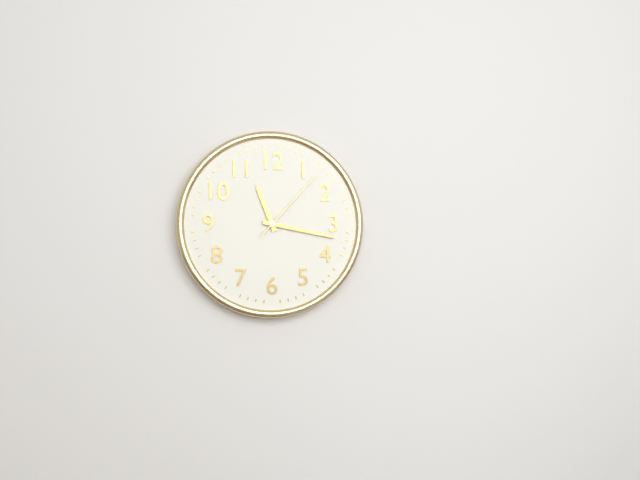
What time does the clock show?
11:17:07
